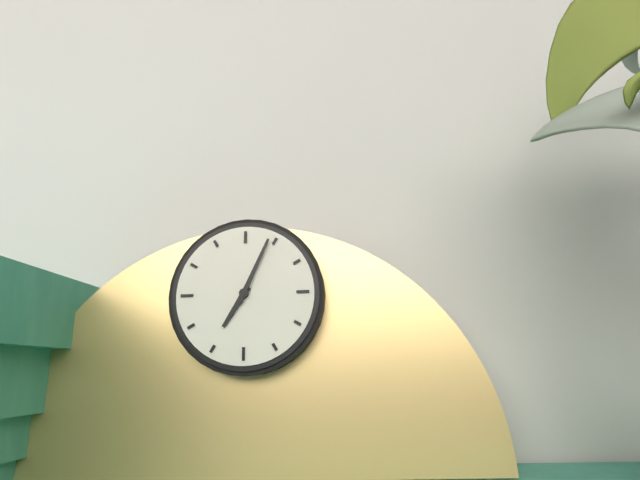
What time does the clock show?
7:04
